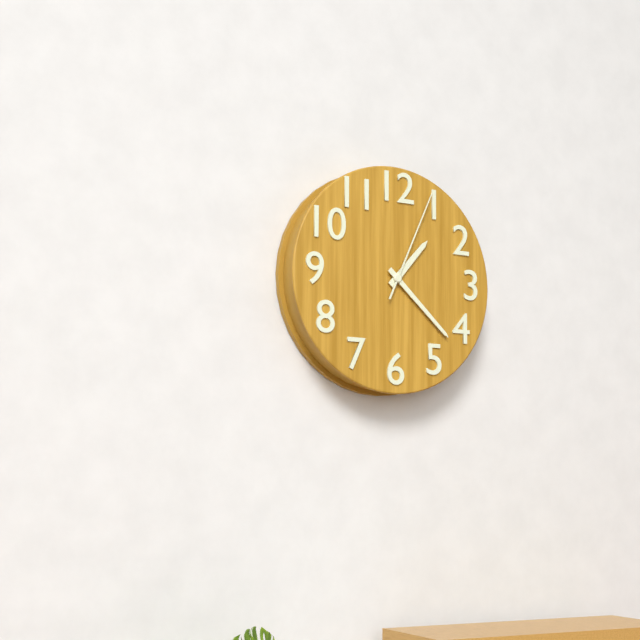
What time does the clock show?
1:22:04
